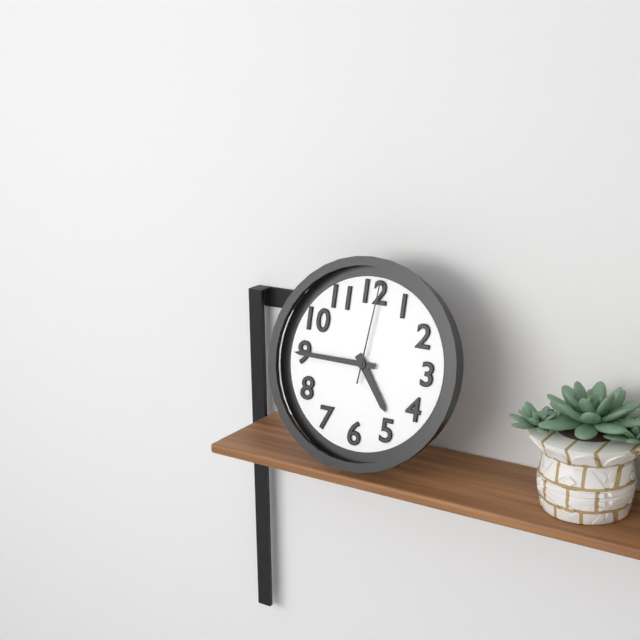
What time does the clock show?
4:45:01
